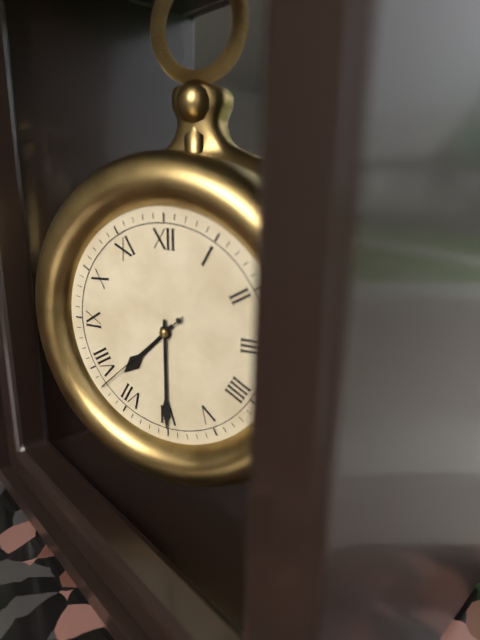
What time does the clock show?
7:30:38
